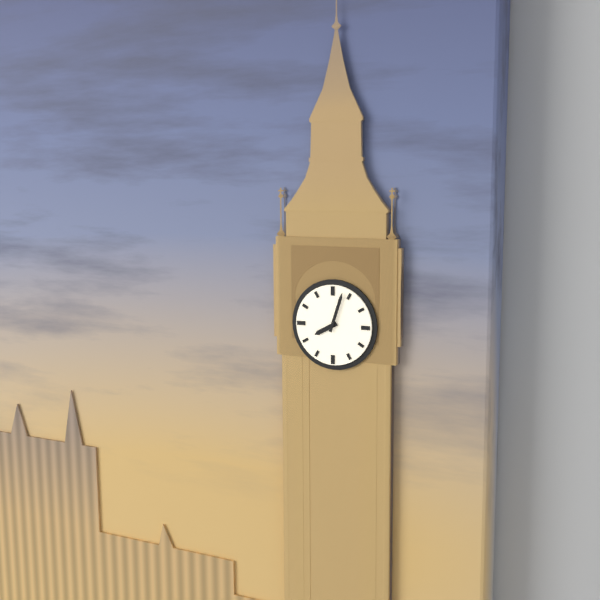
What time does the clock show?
8:03
